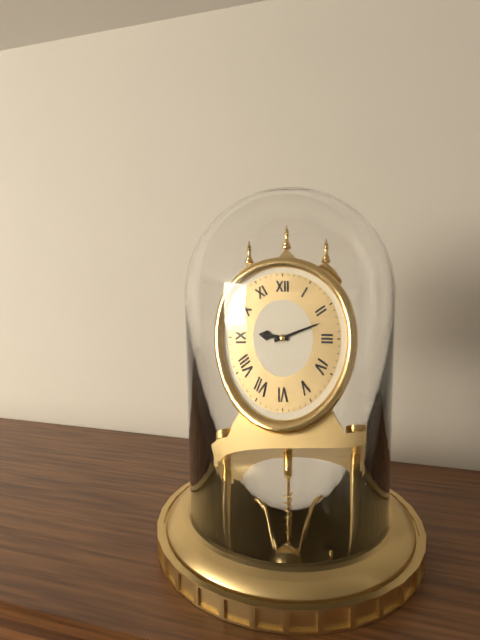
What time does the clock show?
9:12
